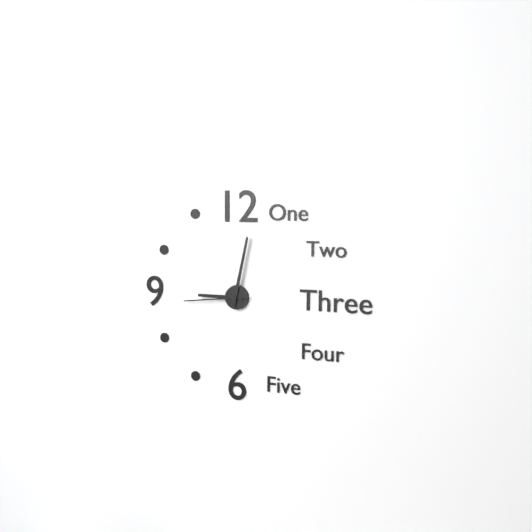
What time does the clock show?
9:02:44
